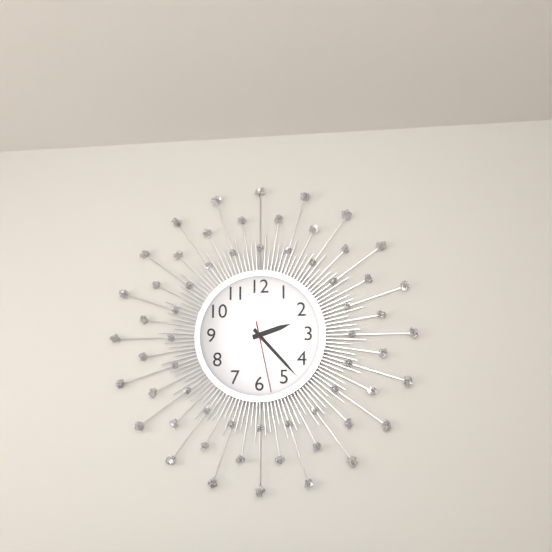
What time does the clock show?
2:23:28
